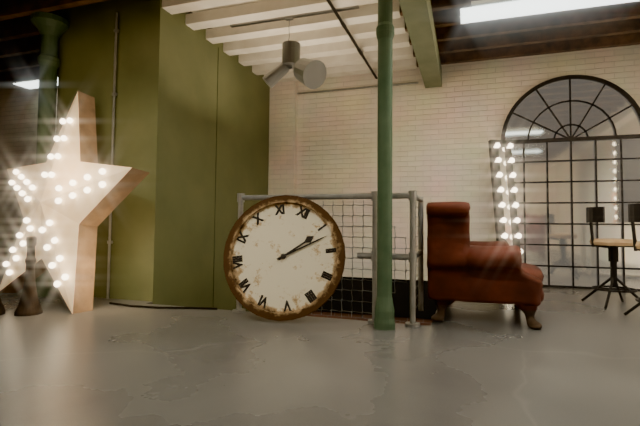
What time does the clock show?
1:07
